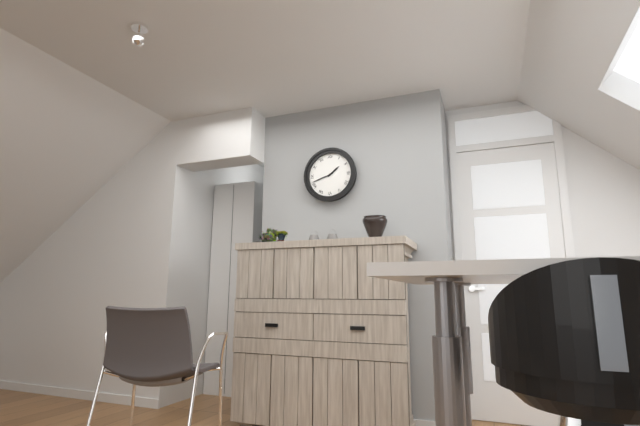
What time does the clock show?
1:42
